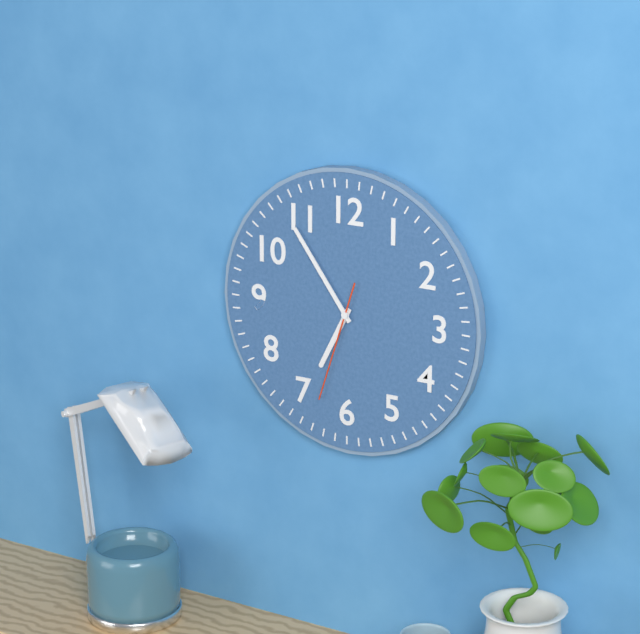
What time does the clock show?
6:54:33
